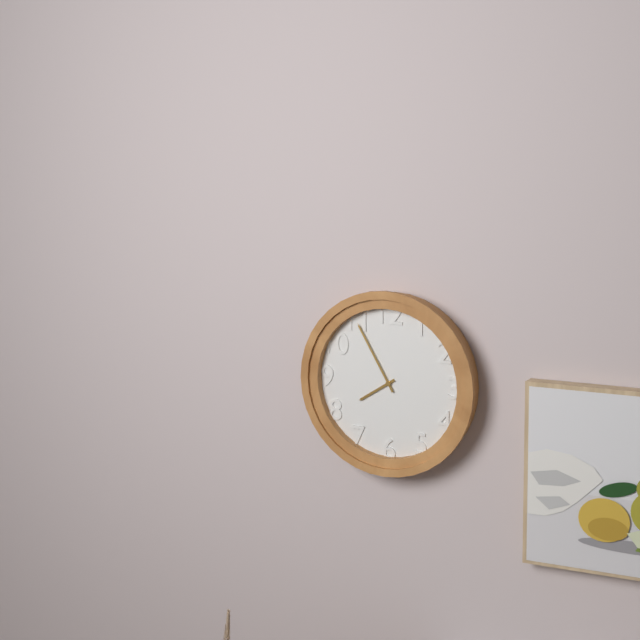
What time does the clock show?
7:55
